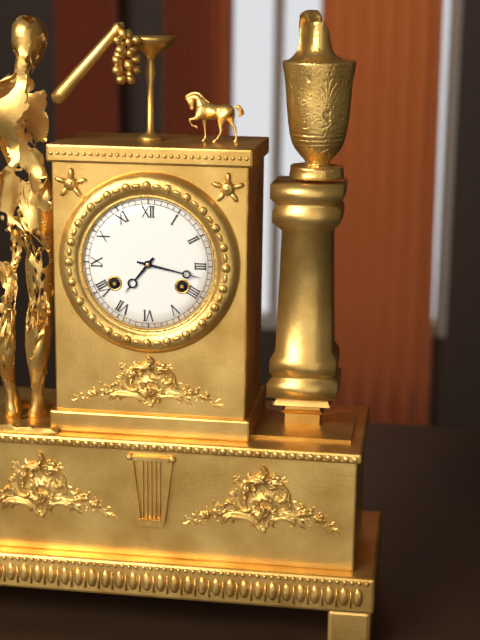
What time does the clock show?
7:17
